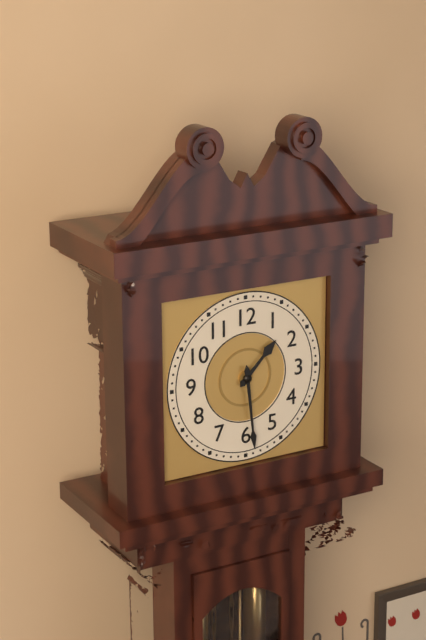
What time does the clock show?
1:29
